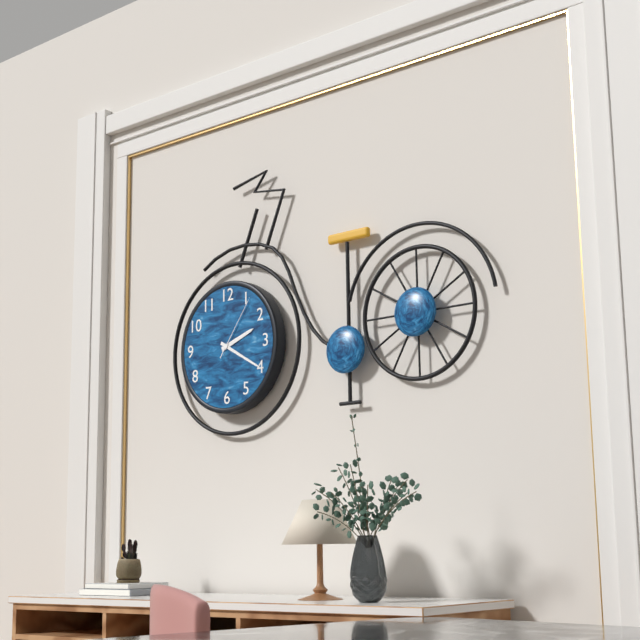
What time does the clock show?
2:20:06
